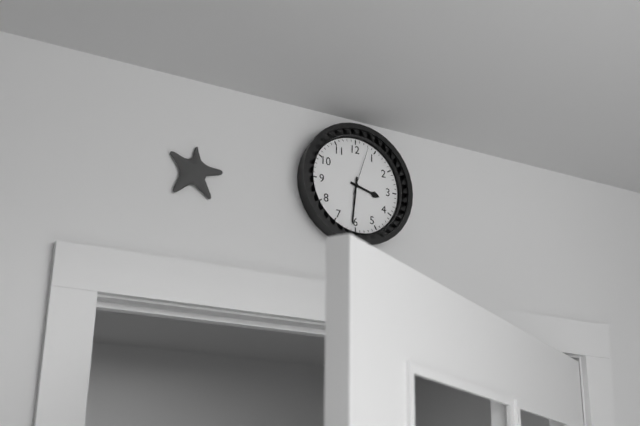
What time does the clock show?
3:31
